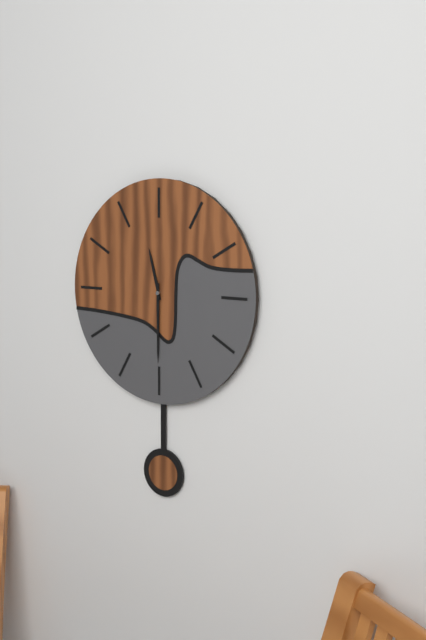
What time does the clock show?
11:30
